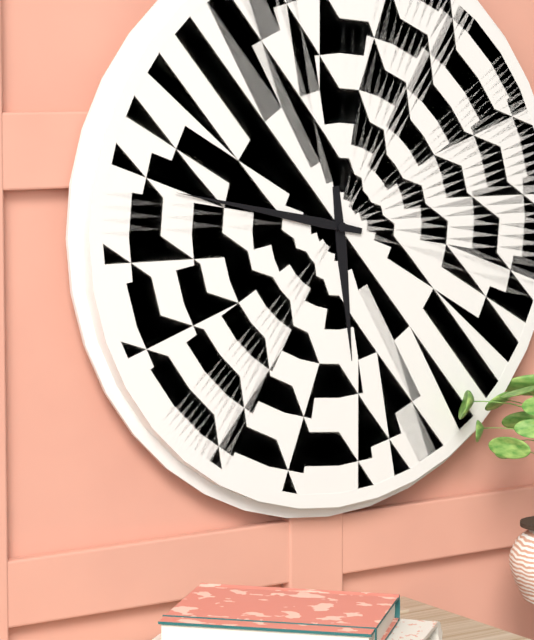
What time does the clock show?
5:47
